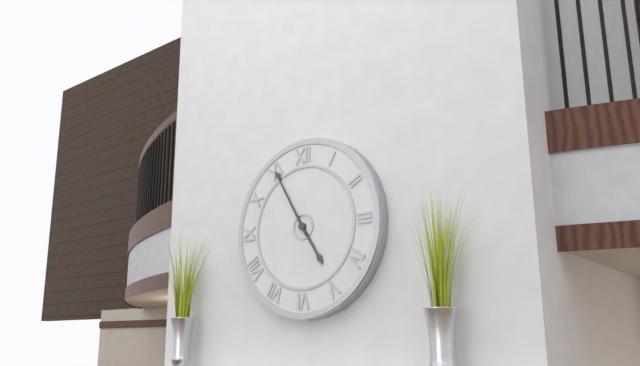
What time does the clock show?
4:55
